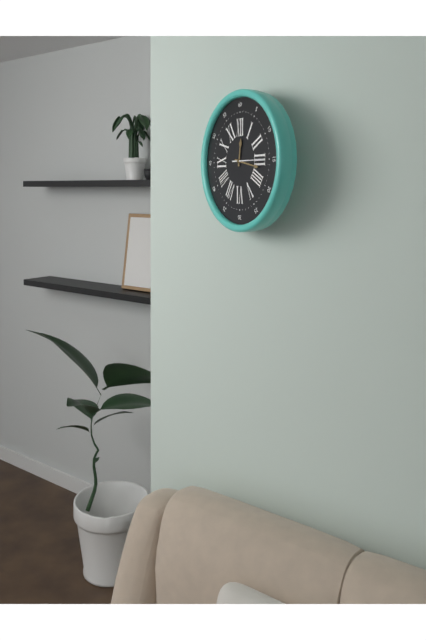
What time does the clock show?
12:17
